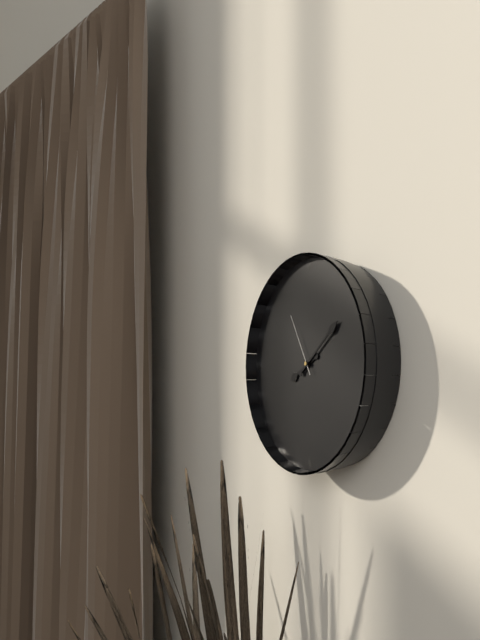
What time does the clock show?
8:09:55
